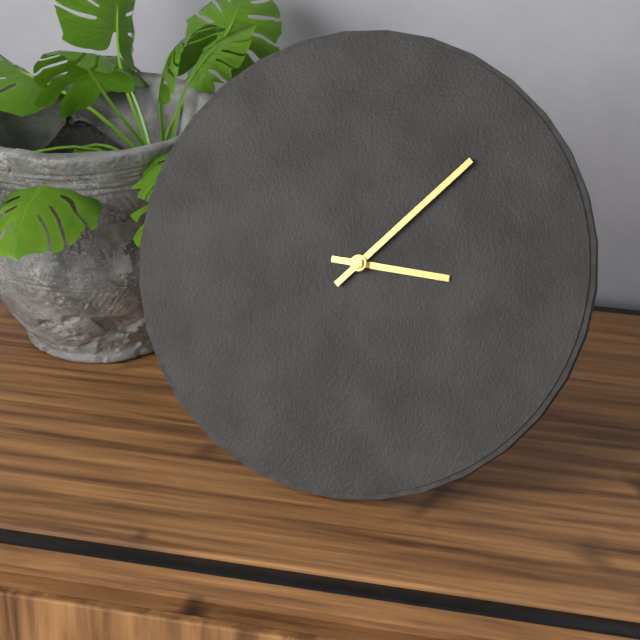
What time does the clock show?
3:07
